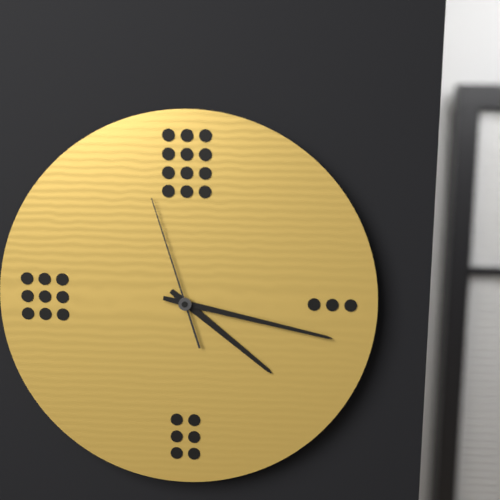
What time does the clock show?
4:17:57
